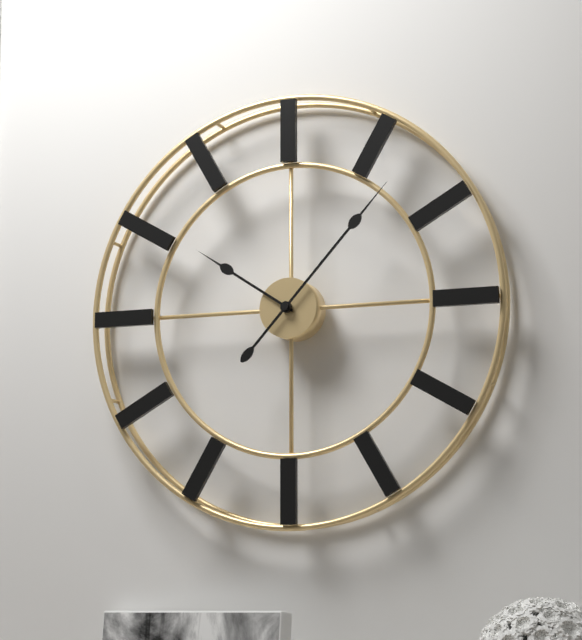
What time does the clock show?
10:07
